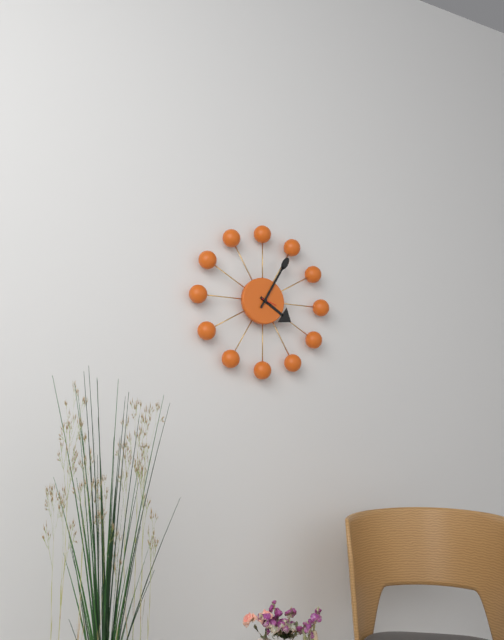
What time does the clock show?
4:05
